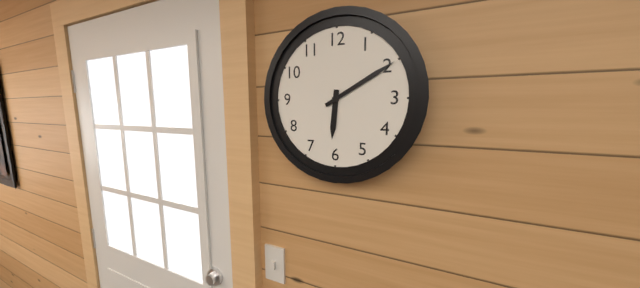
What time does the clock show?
6:10
